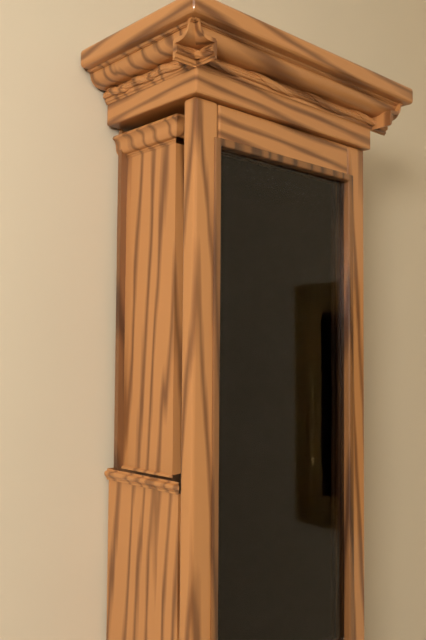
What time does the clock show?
7:48
